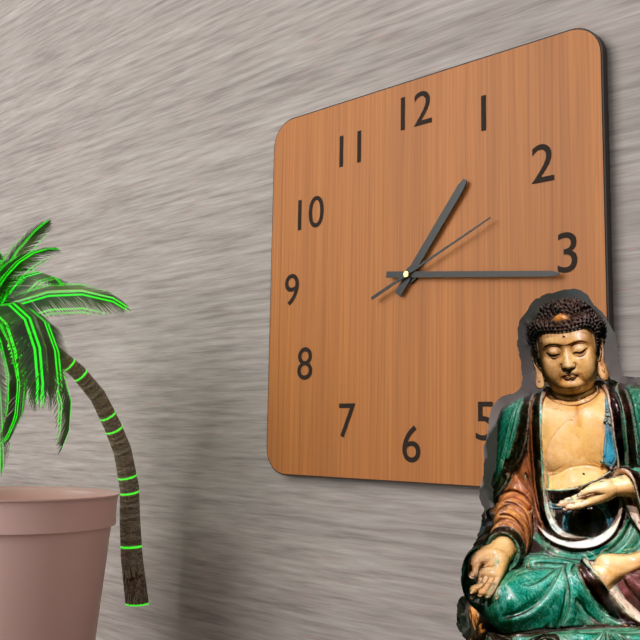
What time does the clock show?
1:16:11
